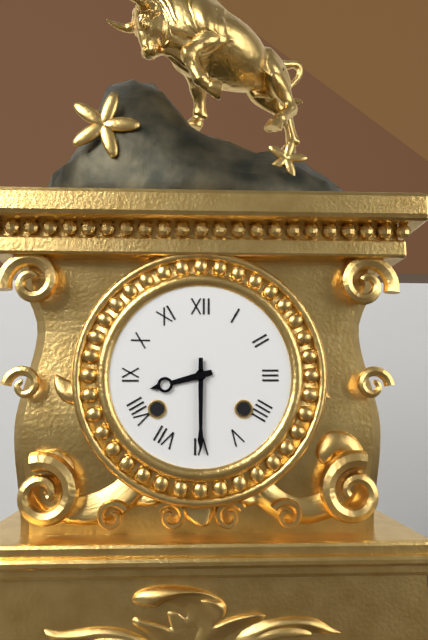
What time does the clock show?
8:30
